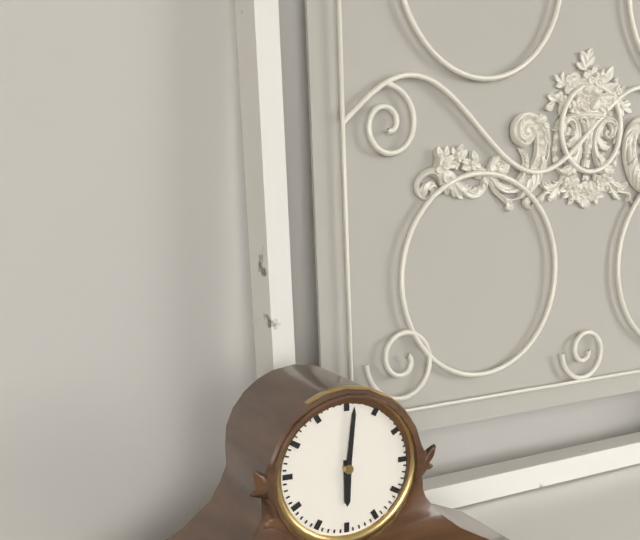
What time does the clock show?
6:01
